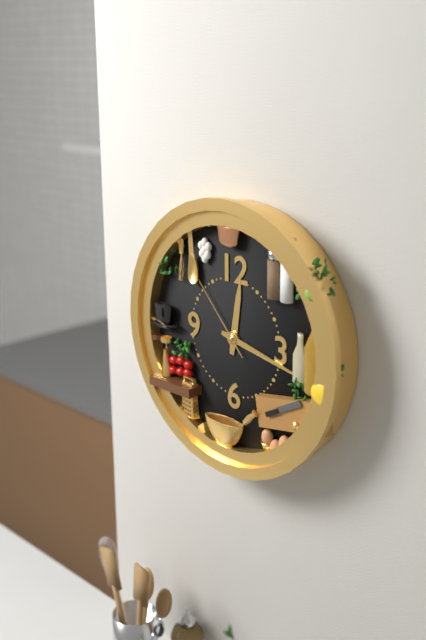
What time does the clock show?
12:17:53
